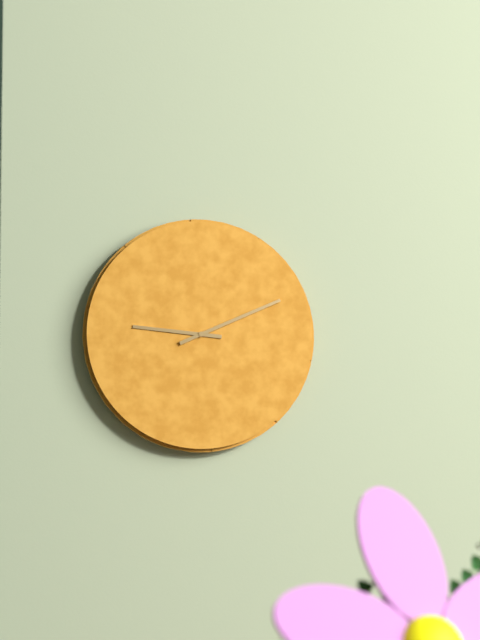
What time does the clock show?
9:11
